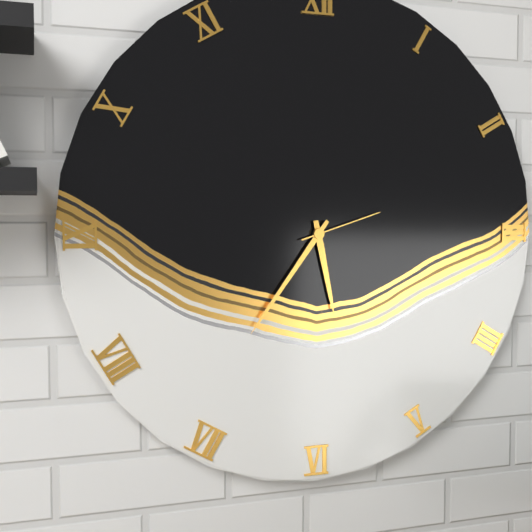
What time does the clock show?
5:36:12
